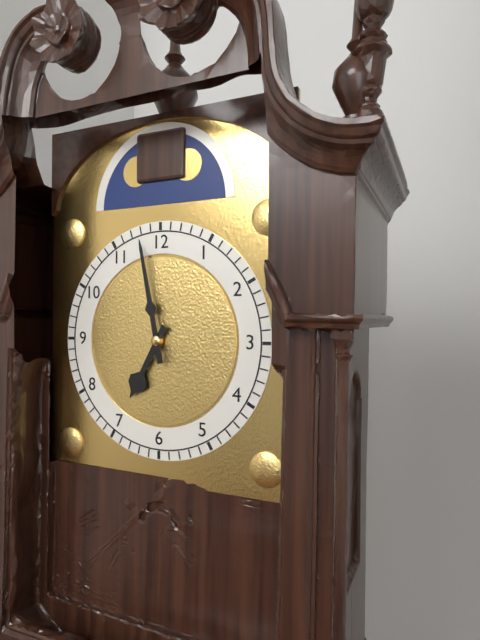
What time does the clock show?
6:58
